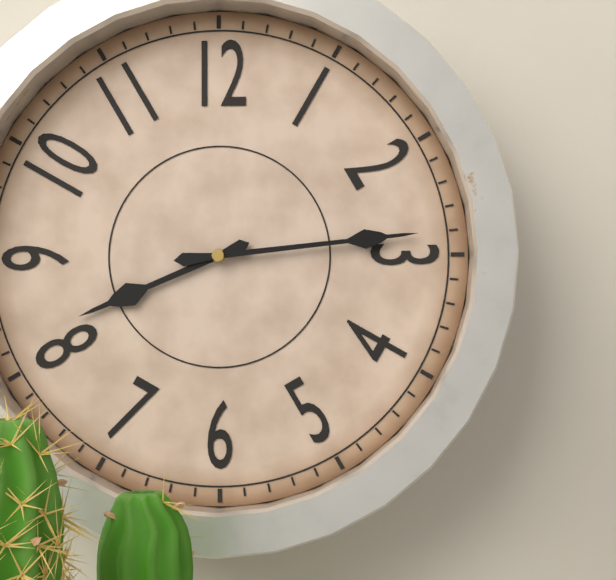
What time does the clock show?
8:14
